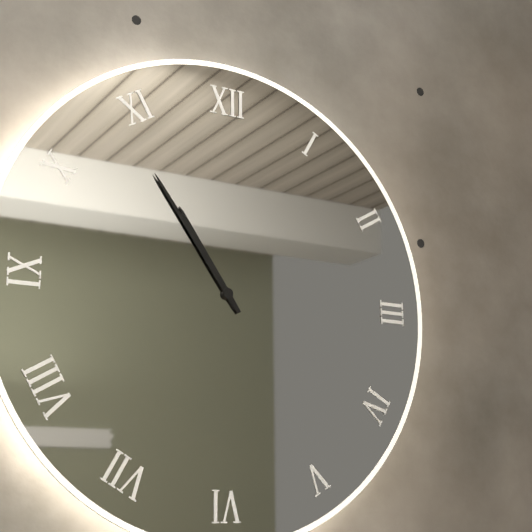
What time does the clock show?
10:54
